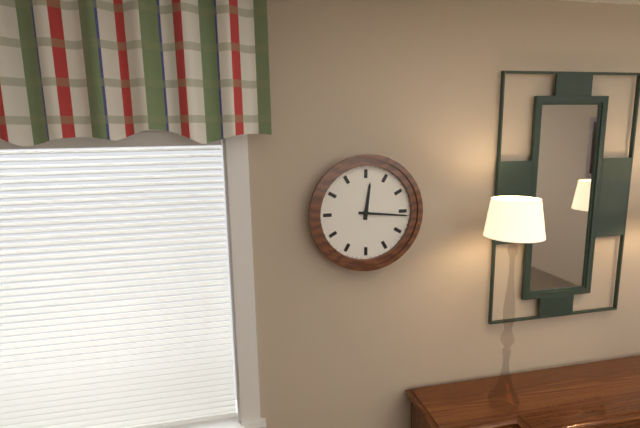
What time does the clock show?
12:16
